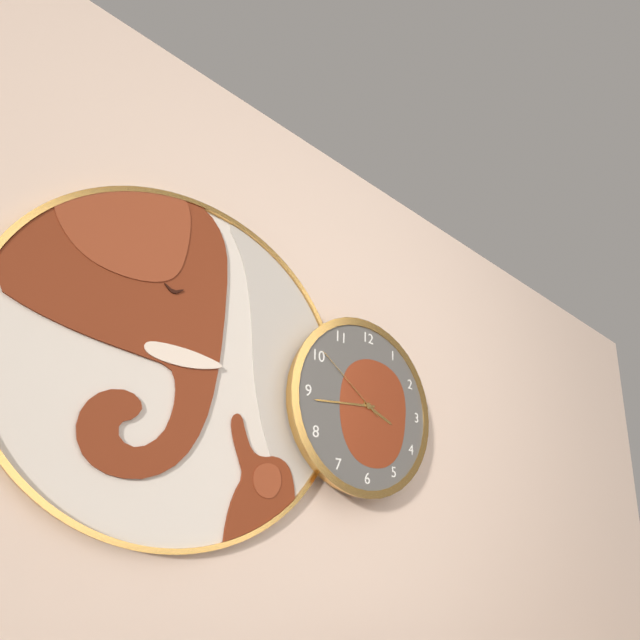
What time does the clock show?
3:44:51
